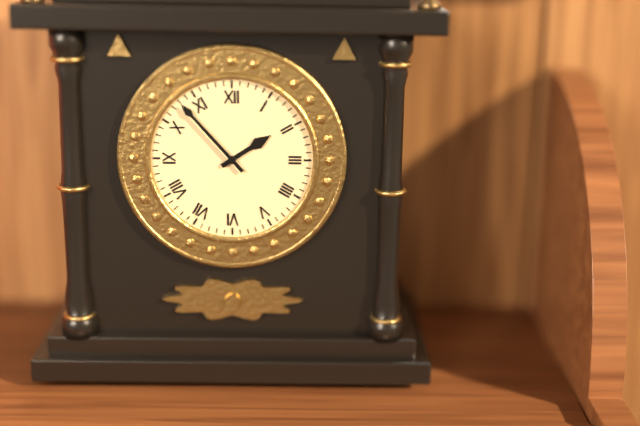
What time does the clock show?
1:53
